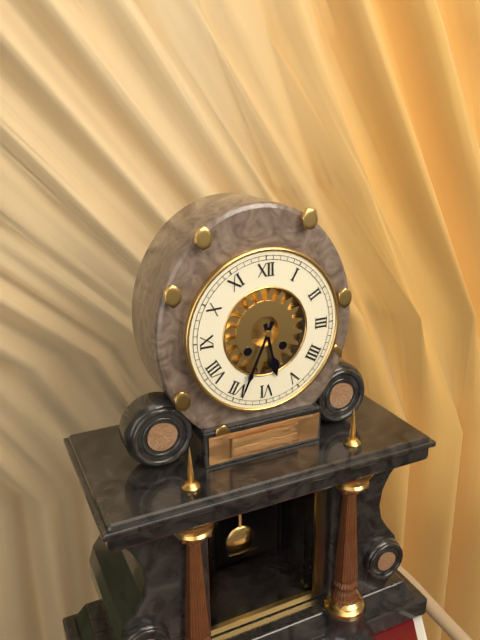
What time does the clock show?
5:34
